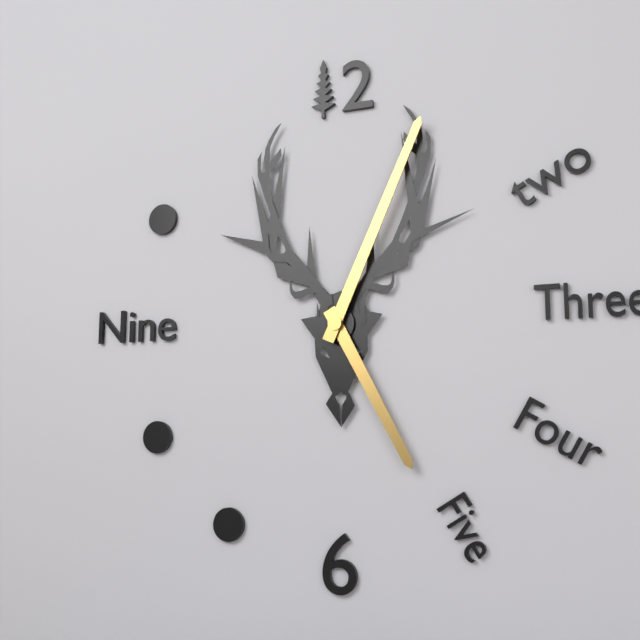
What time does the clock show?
5:04
